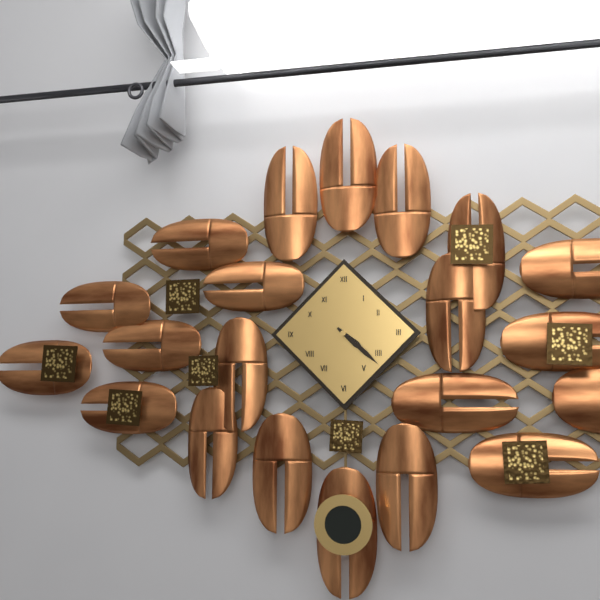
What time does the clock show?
4:22
